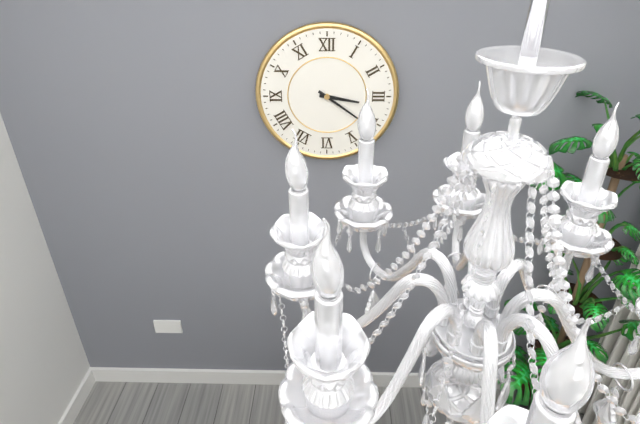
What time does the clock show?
3:21
